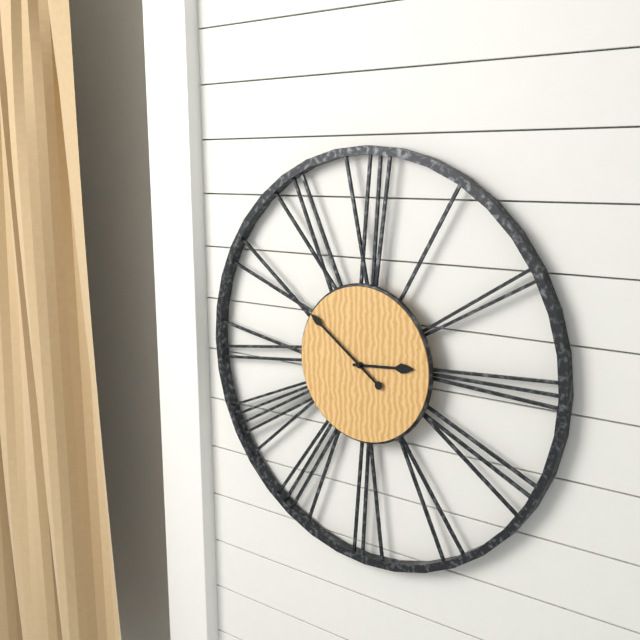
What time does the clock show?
2:51
